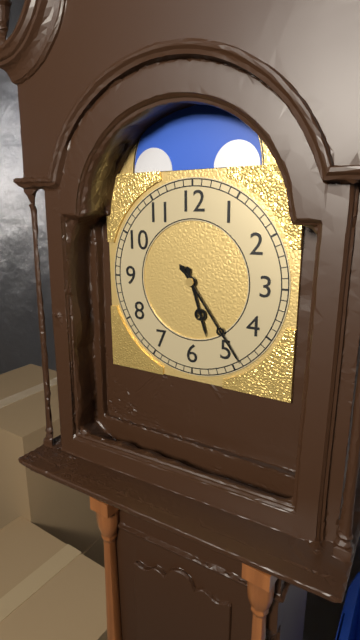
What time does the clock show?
5:24
